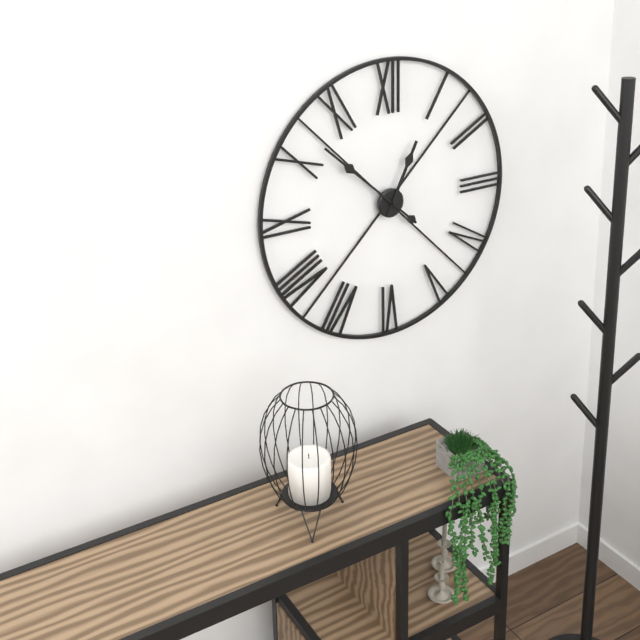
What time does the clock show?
12:52
